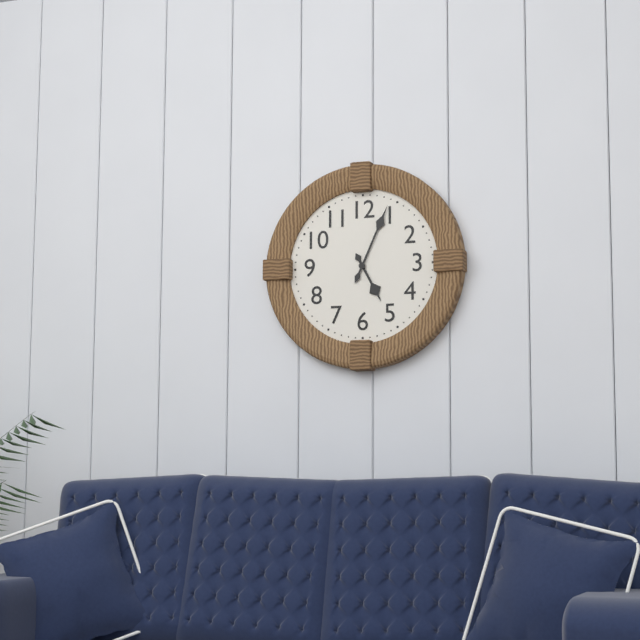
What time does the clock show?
5:04
